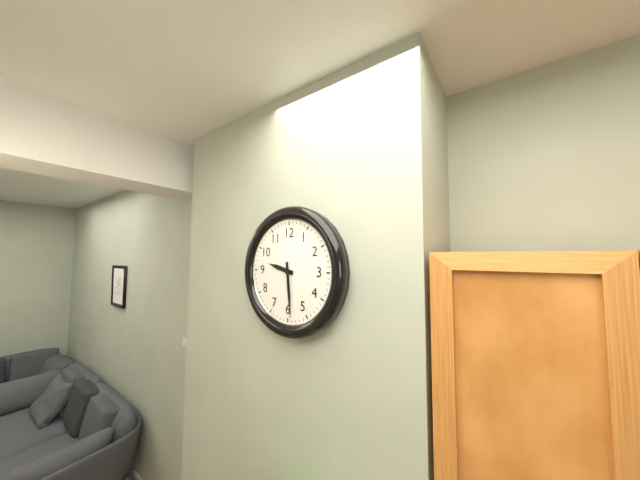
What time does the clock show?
9:29
